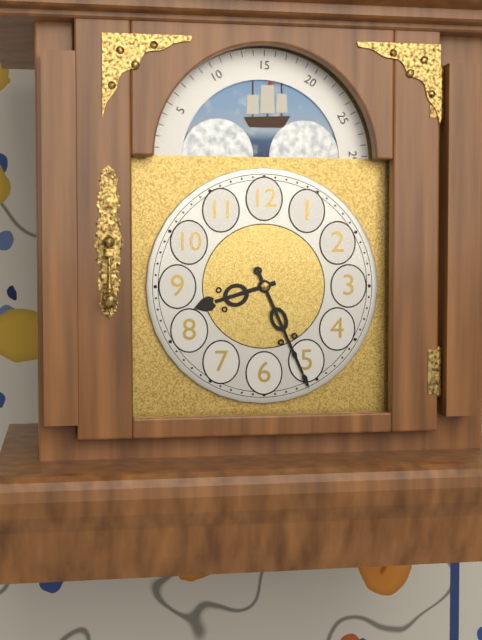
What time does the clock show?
8:26
